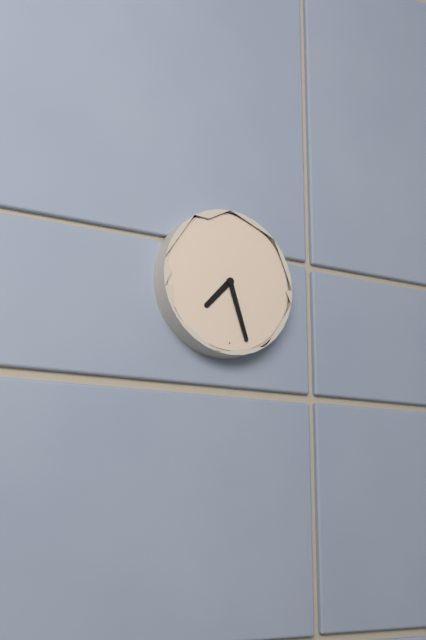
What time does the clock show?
7:27
